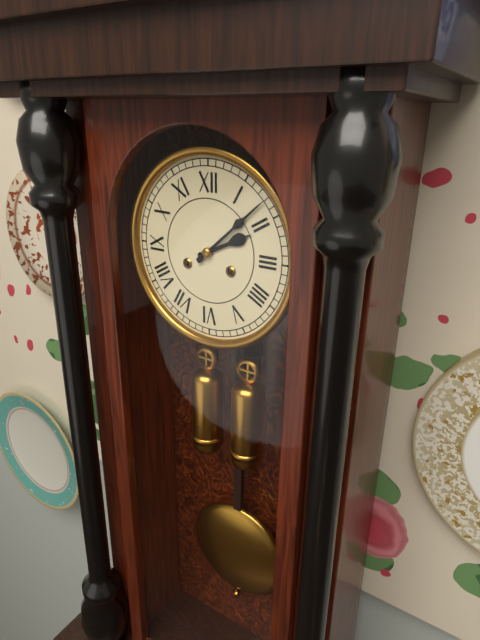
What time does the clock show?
2:08
